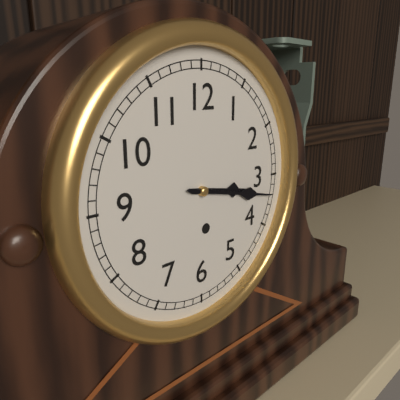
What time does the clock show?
3:17
